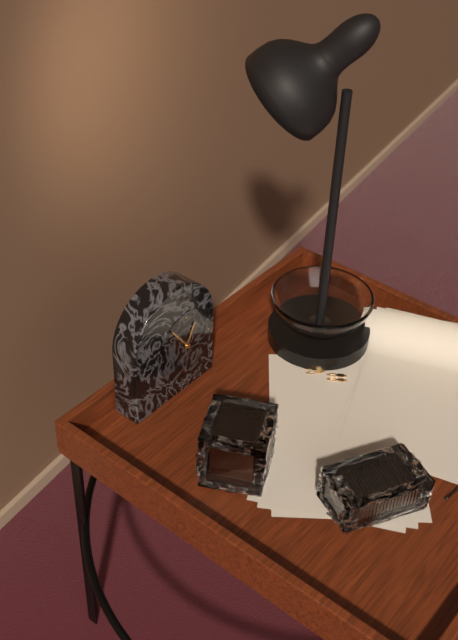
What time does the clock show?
12:54
